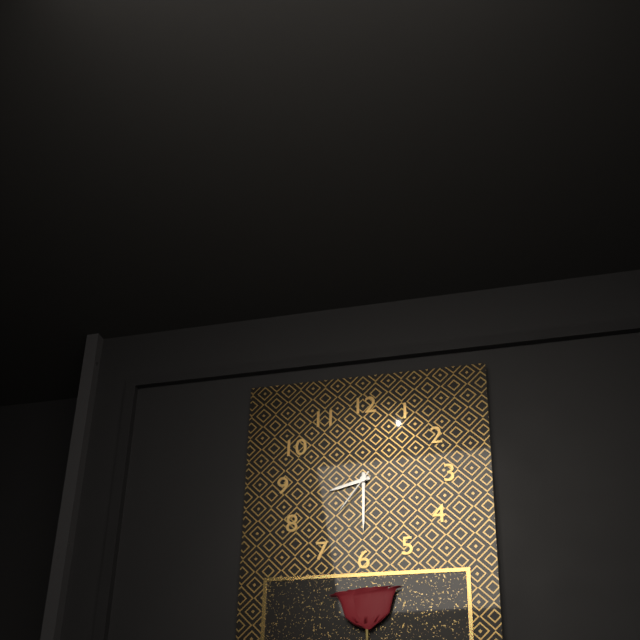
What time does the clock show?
8:30:36
